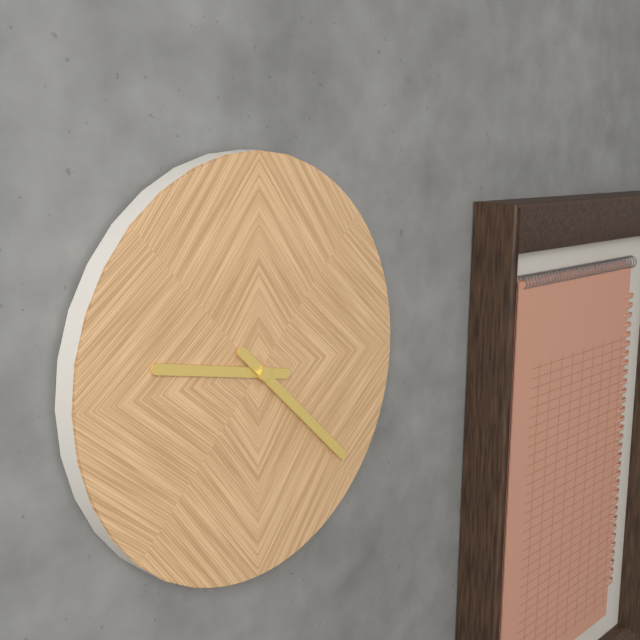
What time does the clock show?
9:22
